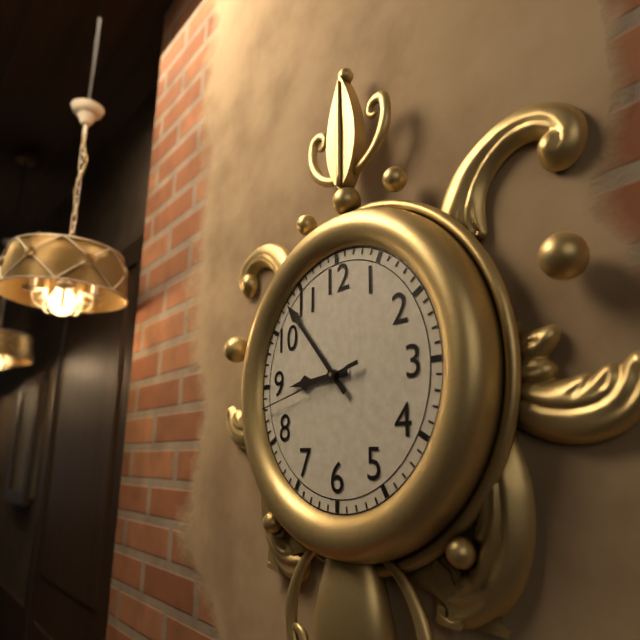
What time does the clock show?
8:53:43
